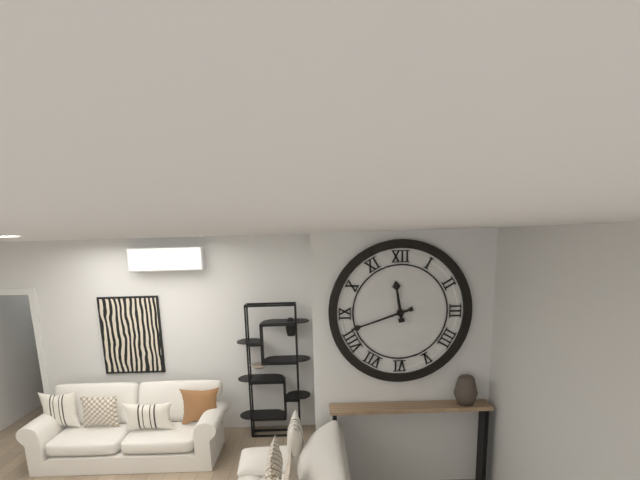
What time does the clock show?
11:42
